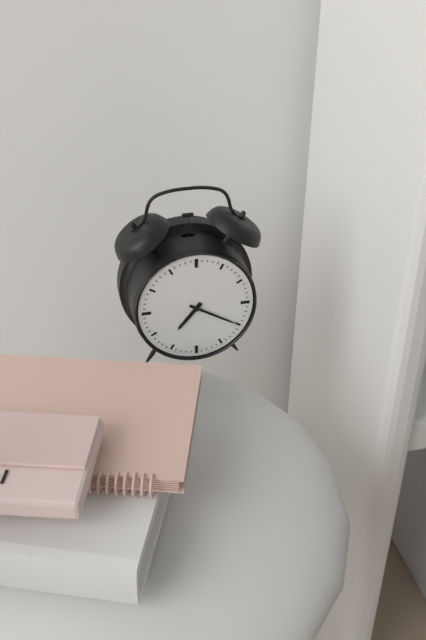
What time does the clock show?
7:20
